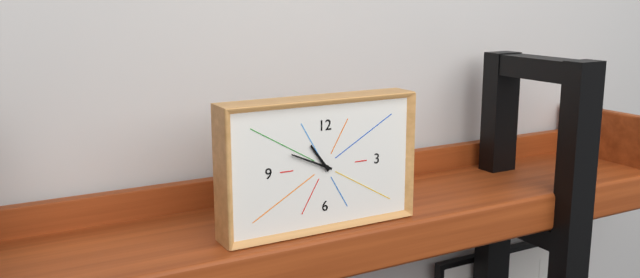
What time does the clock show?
10:49
